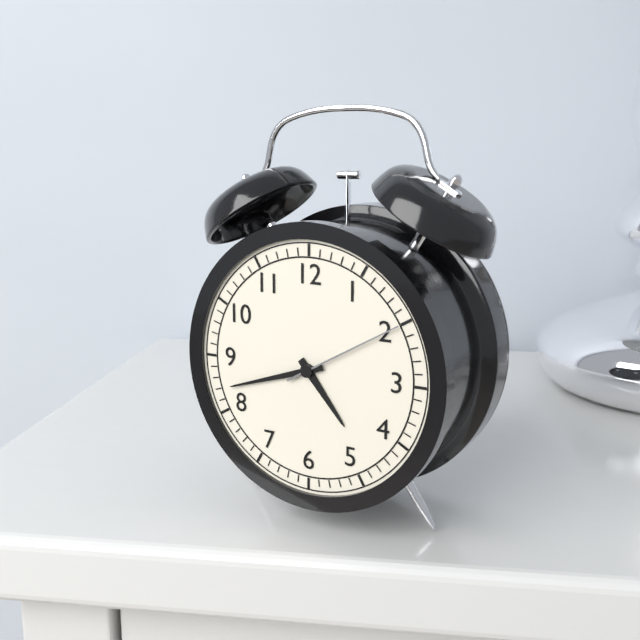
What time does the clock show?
4:42:10
